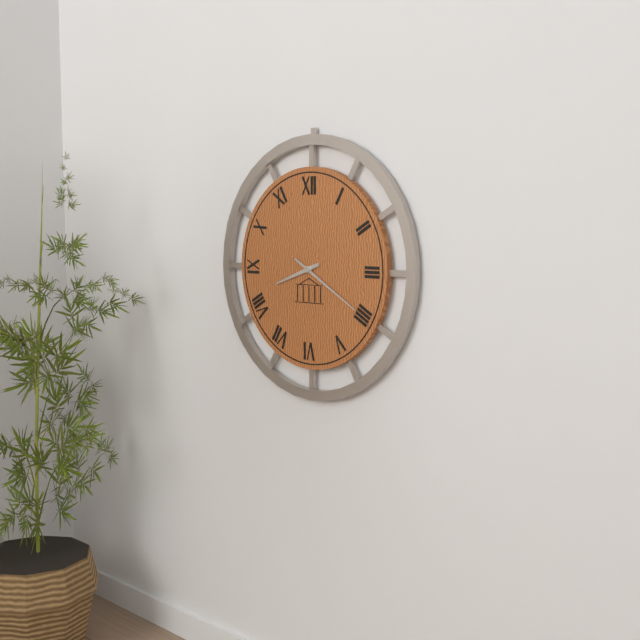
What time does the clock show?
8:20
